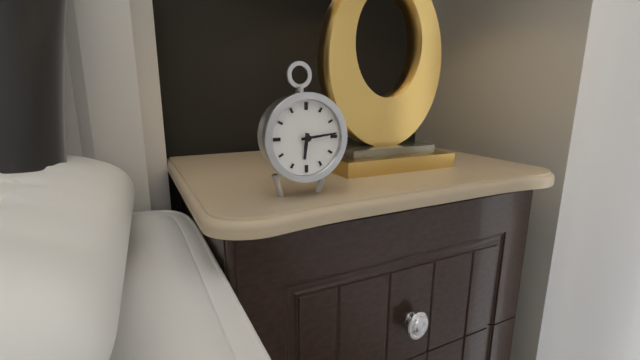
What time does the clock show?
6:14
